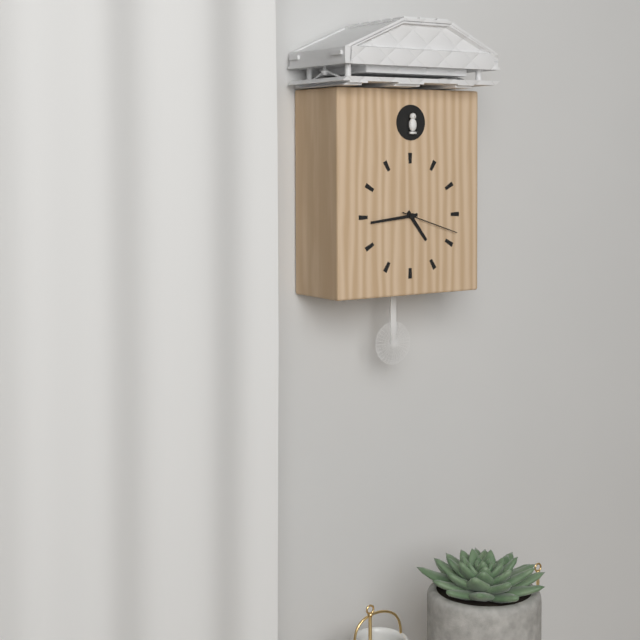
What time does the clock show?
4:44:18
